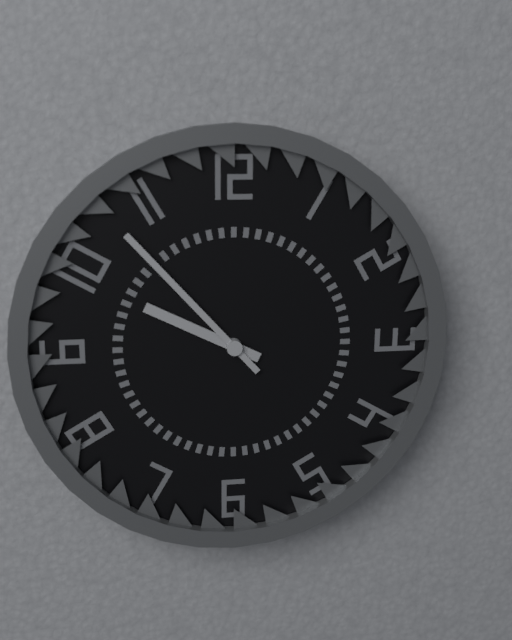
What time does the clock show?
9:53
